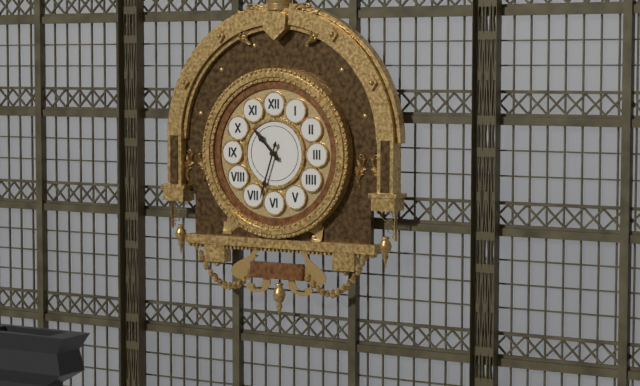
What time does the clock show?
10:33
